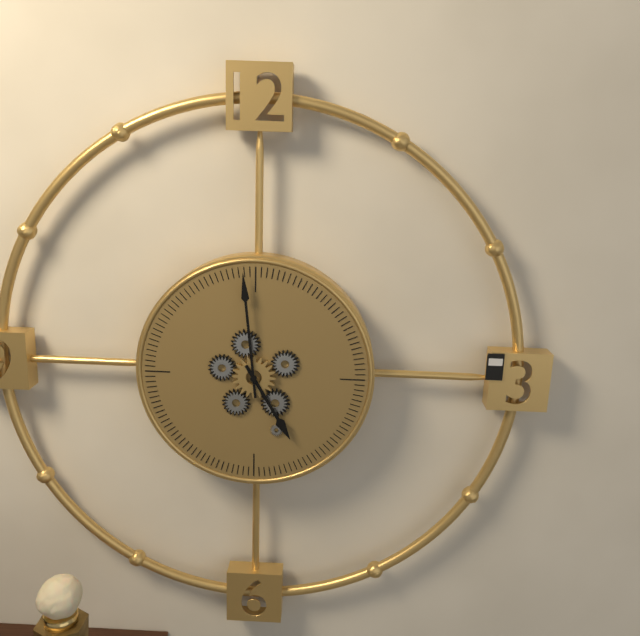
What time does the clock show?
4:59
